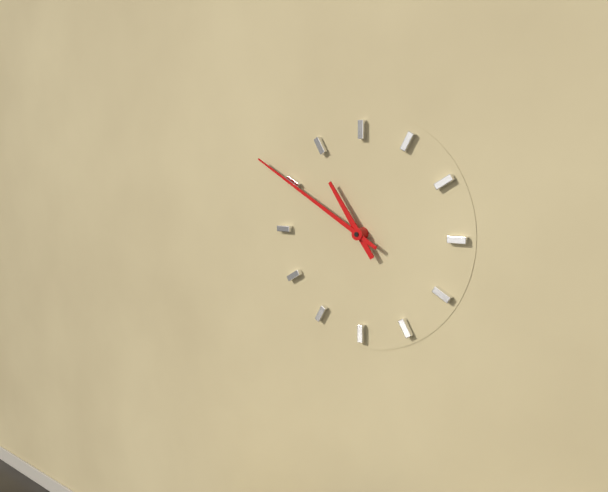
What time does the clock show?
10:50
